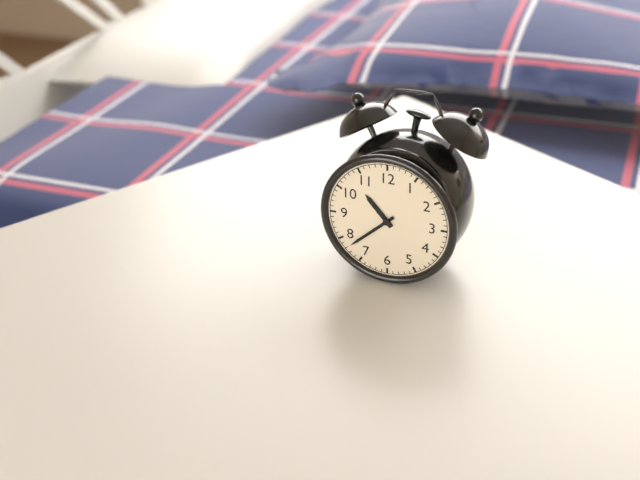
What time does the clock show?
10:38
